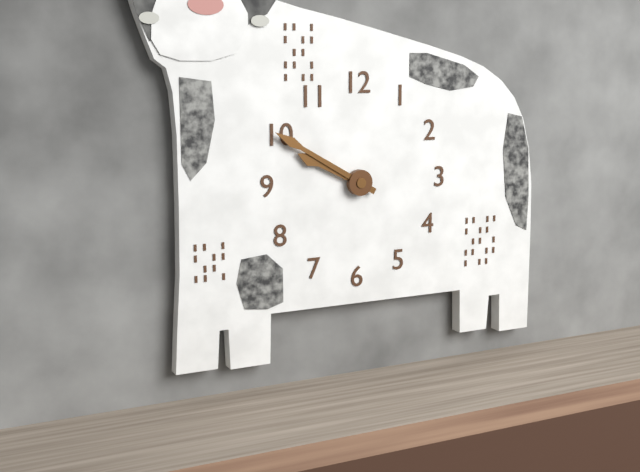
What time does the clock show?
9:50
